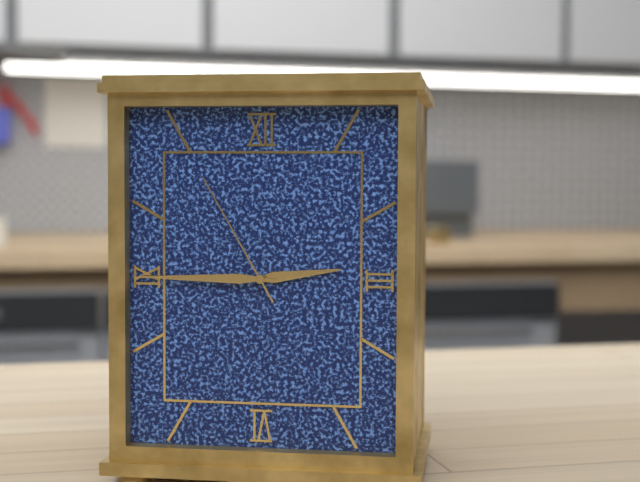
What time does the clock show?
2:45:55
